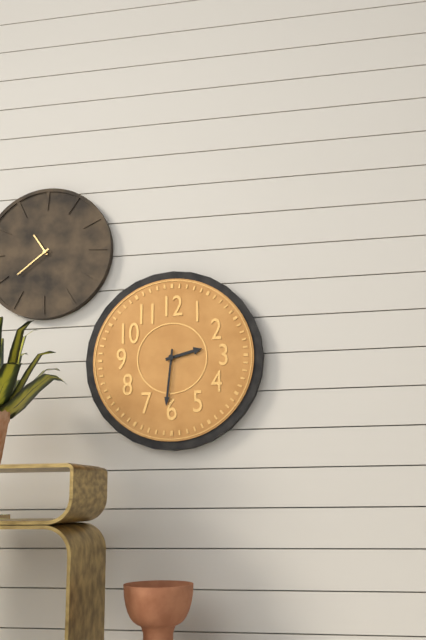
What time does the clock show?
2:31
